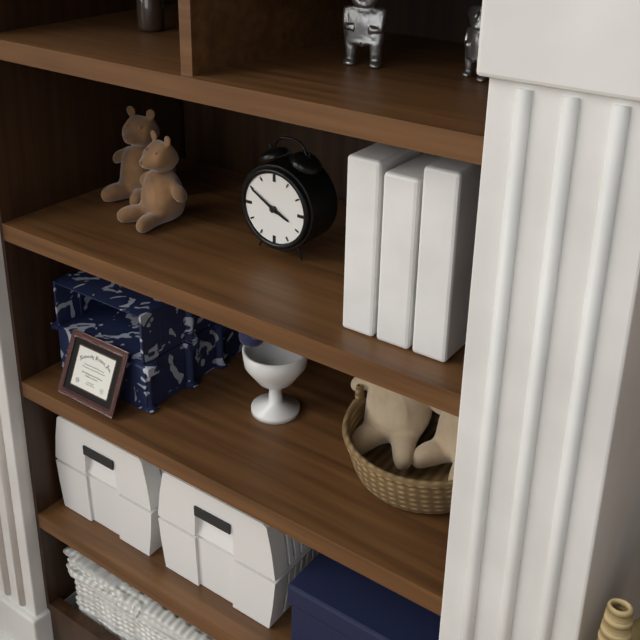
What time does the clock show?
3:50
